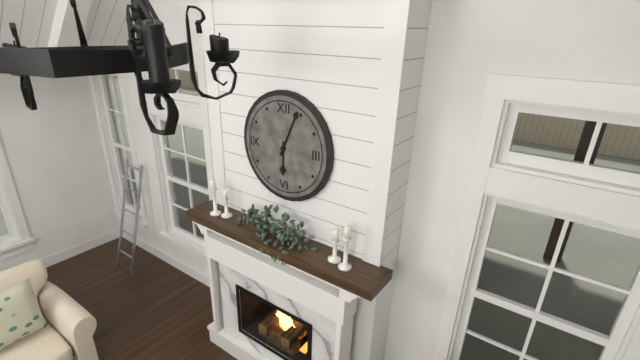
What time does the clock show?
6:04
